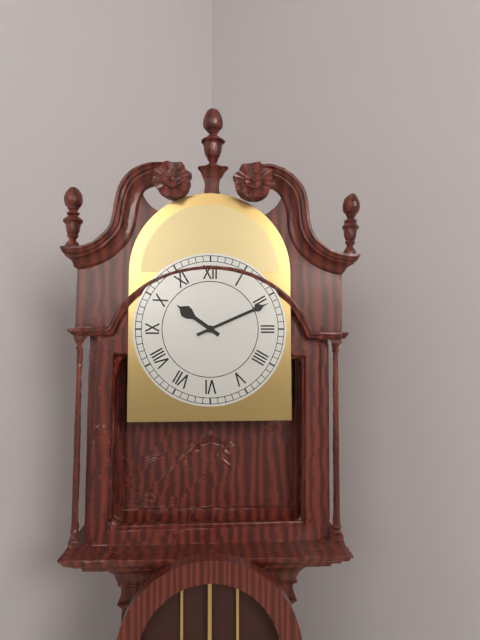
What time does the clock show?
10:11
